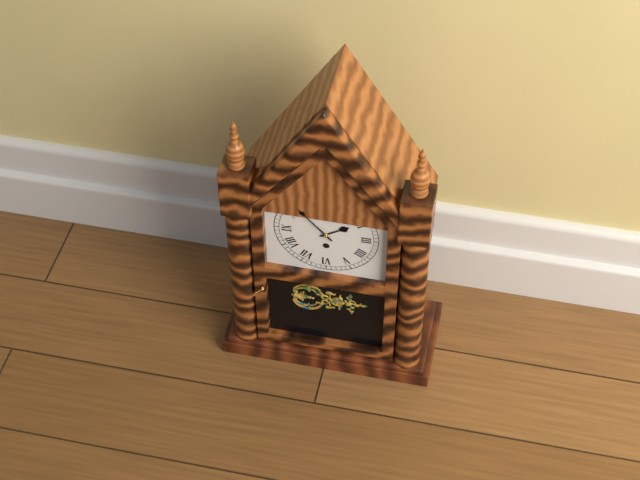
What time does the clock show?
1:53
